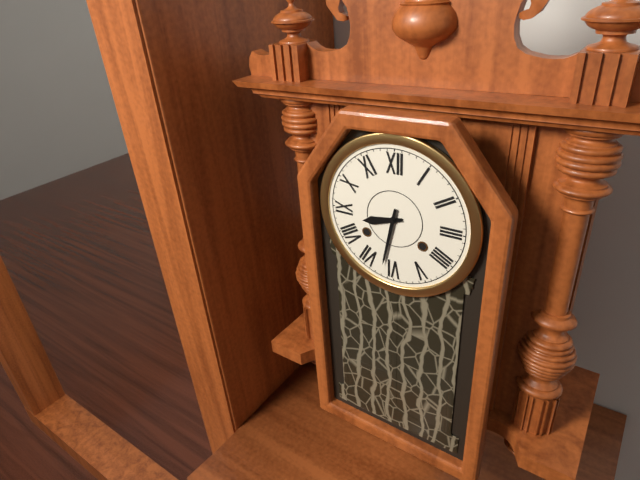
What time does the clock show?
8:32
